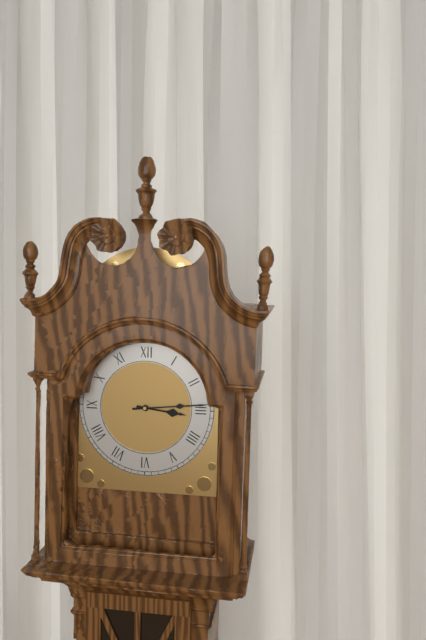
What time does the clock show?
3:14
